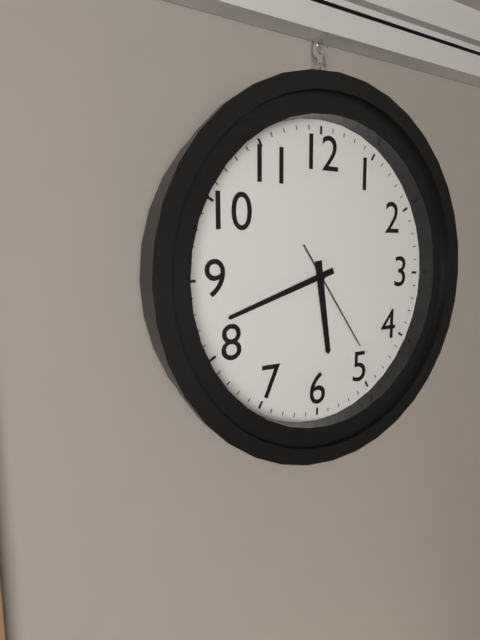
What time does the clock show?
5:42:24
